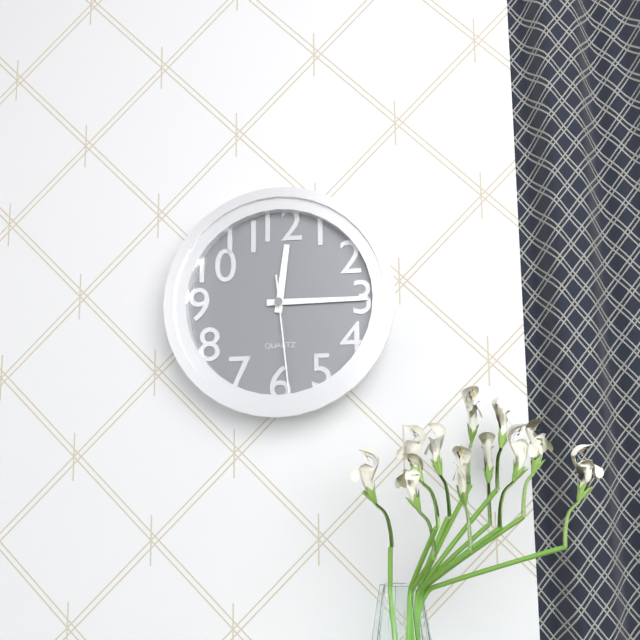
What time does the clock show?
12:15:29
